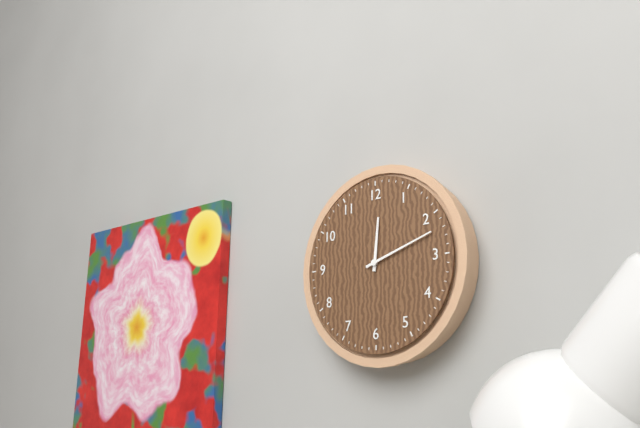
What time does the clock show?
12:12
